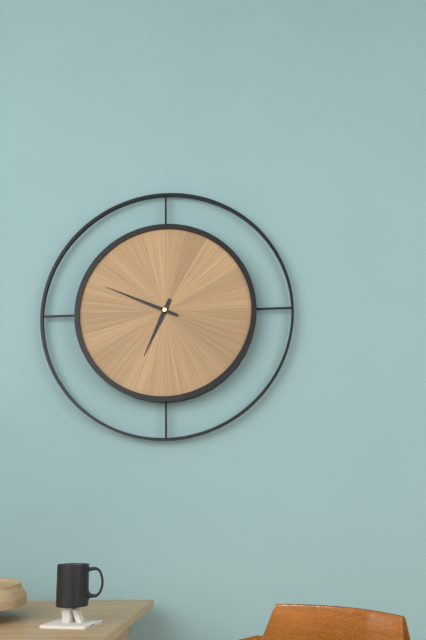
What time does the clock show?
6:49
